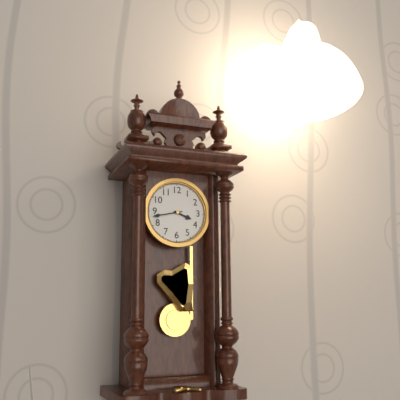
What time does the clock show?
3:43
